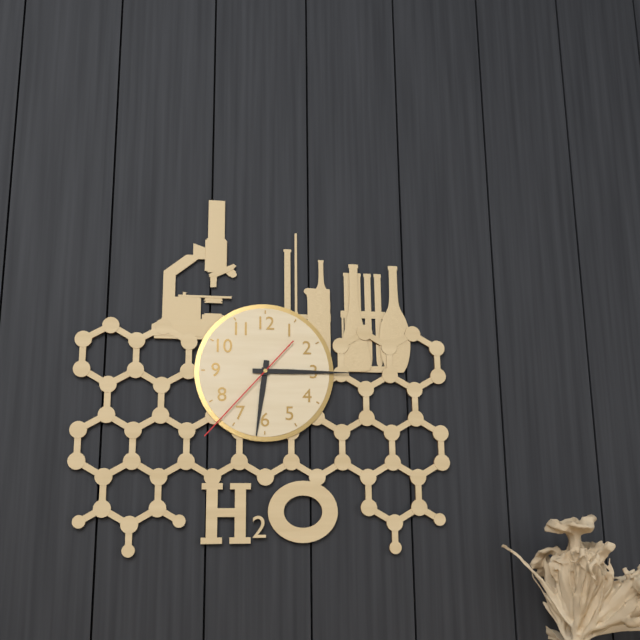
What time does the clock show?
6:15:37
